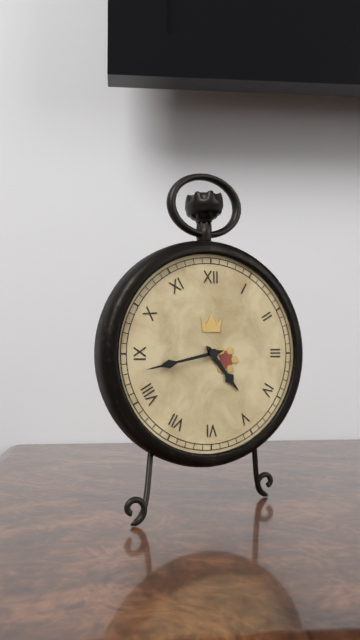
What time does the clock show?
4:43
